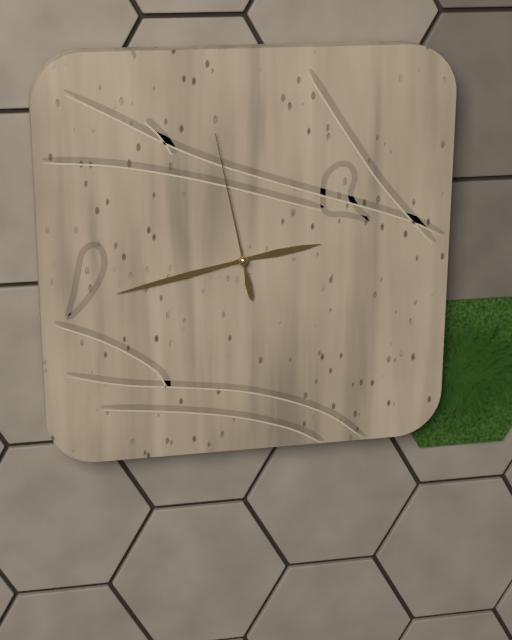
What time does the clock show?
2:43:58
